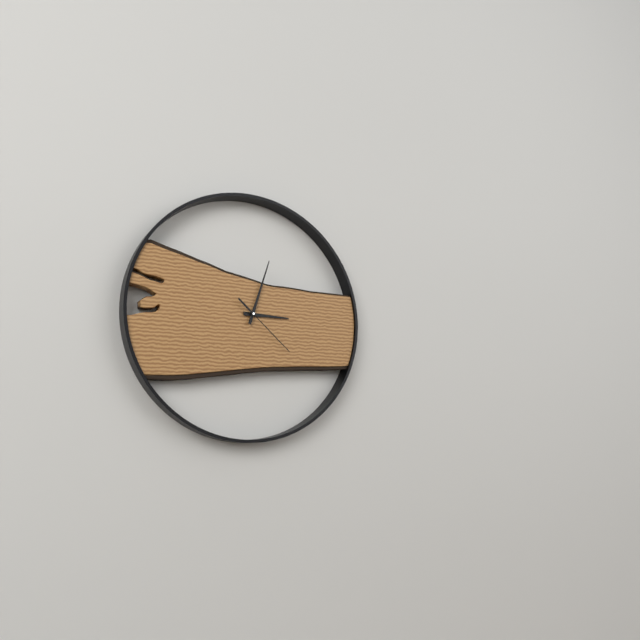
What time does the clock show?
3:03:22
